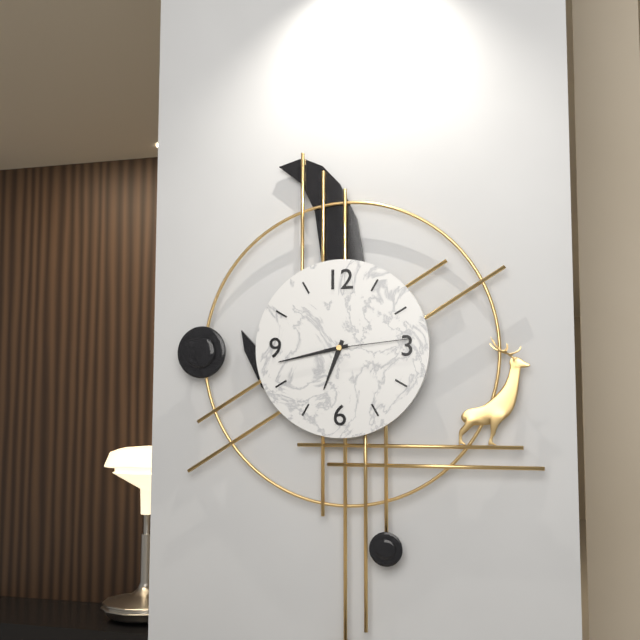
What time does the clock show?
6:43:14
